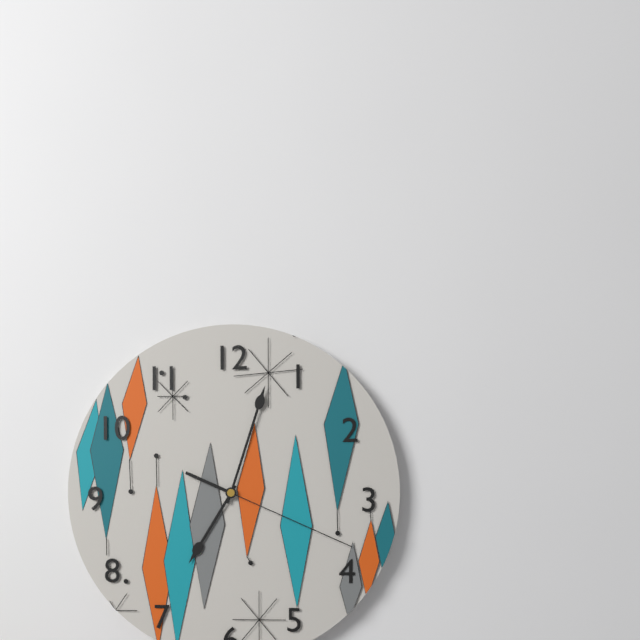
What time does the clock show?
7:03:19
